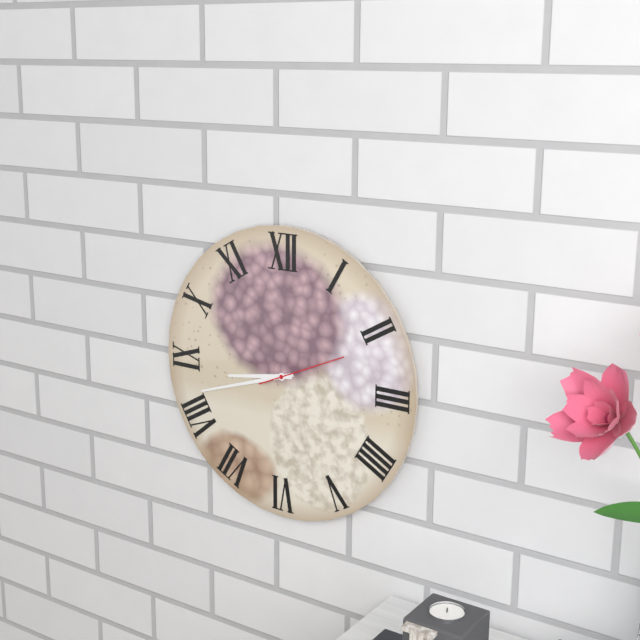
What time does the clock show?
8:42:11
